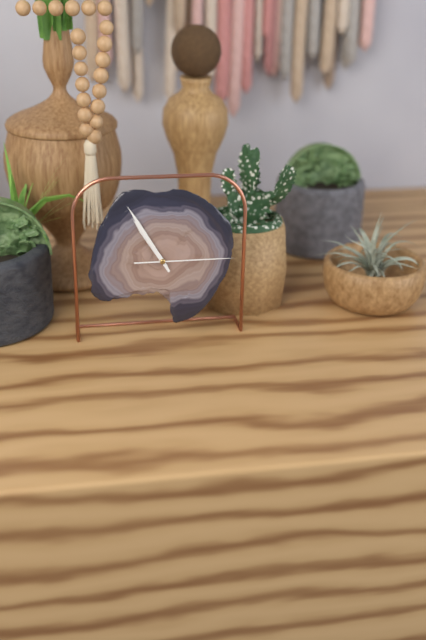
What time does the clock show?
10:55:15
